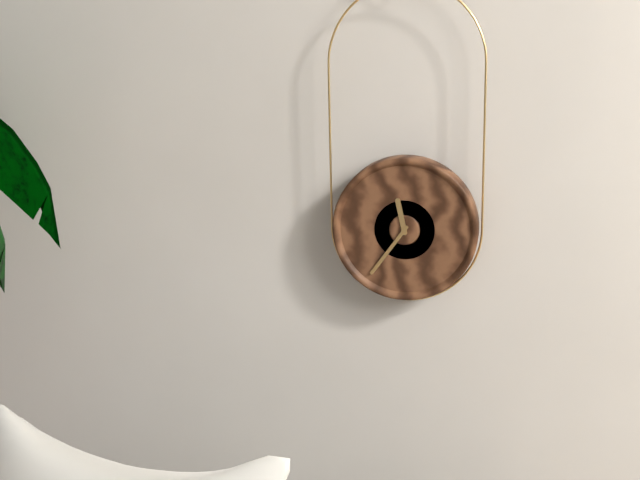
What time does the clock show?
11:36
